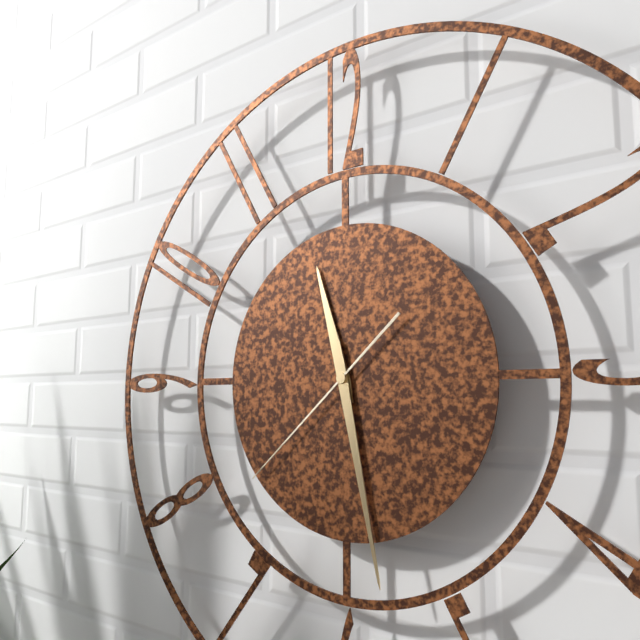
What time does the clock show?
11:28:38
